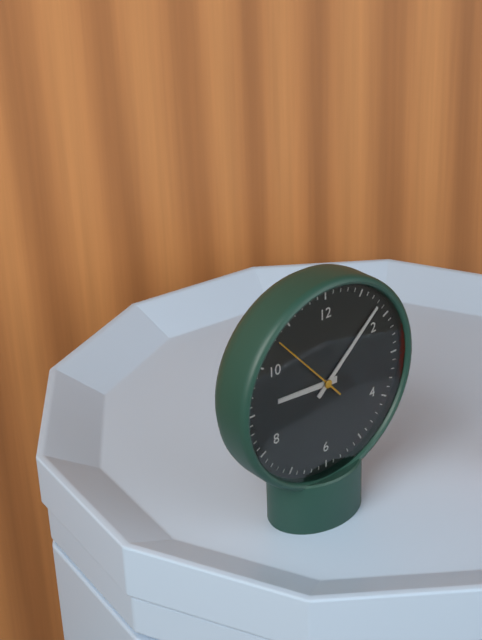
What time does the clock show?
9:08:53
